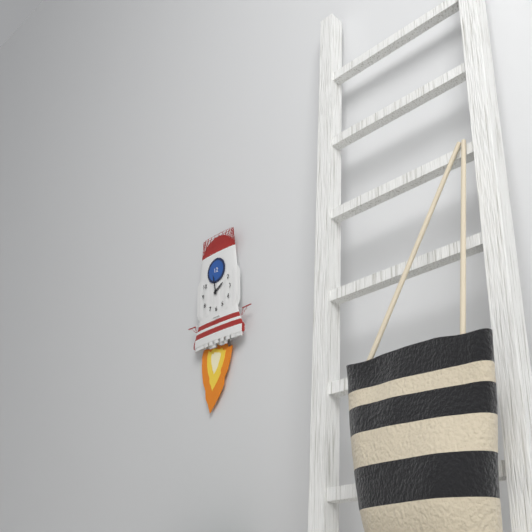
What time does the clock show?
1:58
